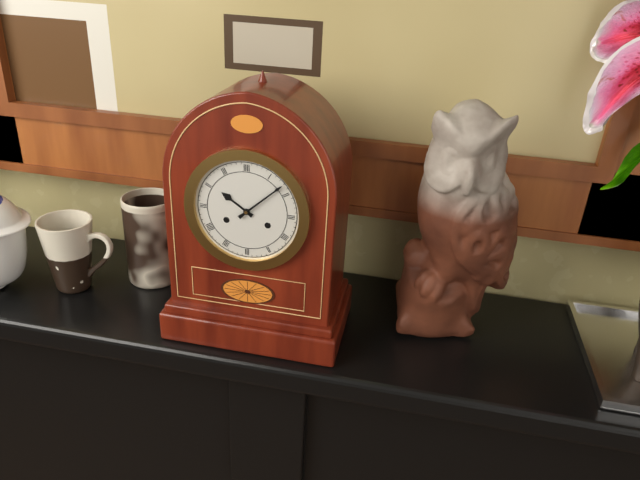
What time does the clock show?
10:08
